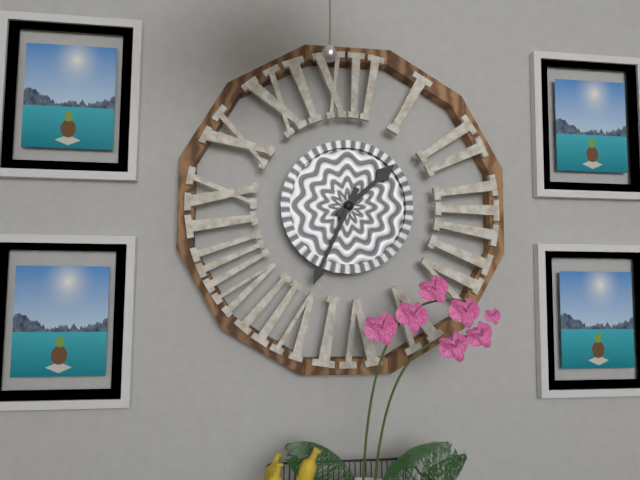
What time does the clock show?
1:34
